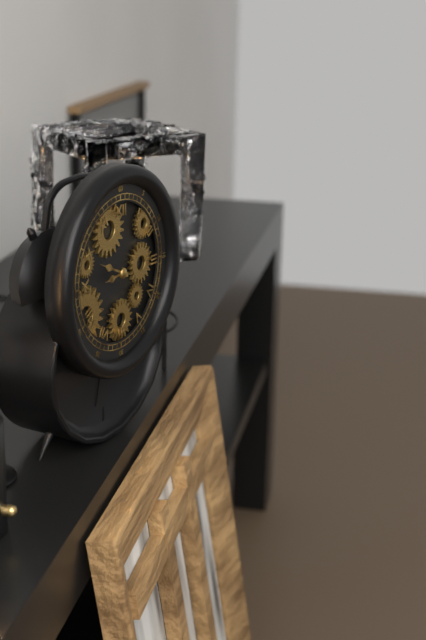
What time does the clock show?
8:49
